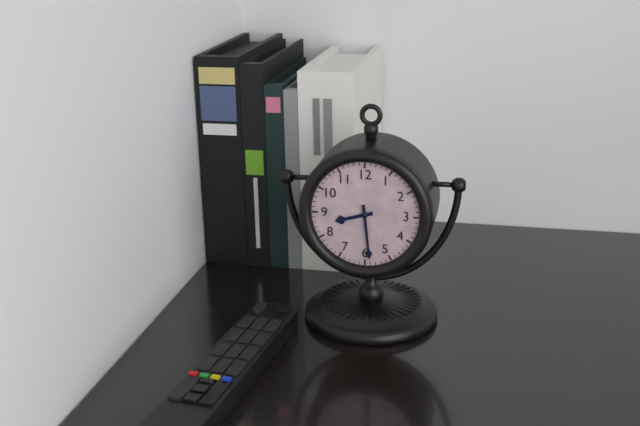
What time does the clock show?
8:29
